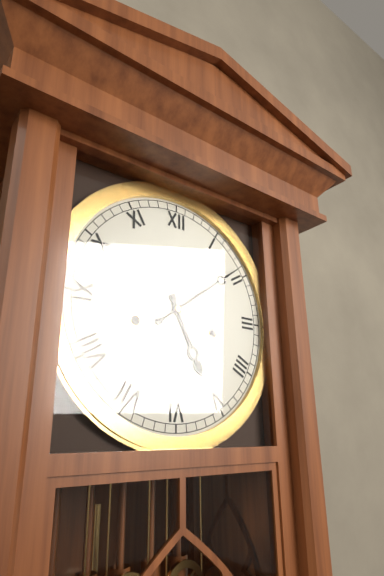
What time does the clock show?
5:09
